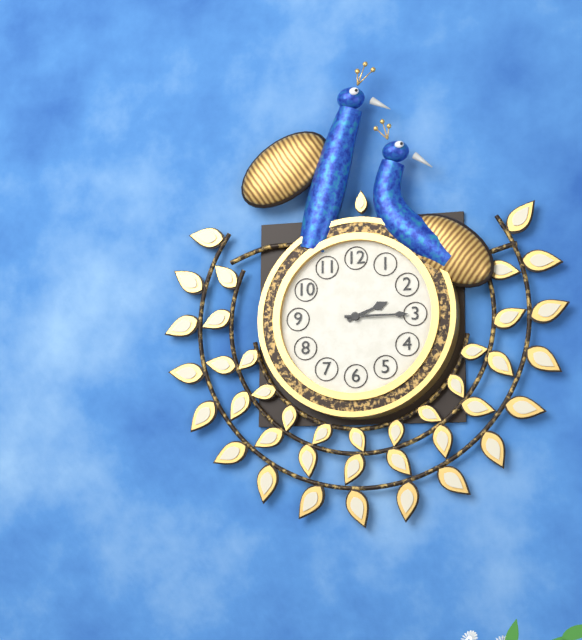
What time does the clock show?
2:15
